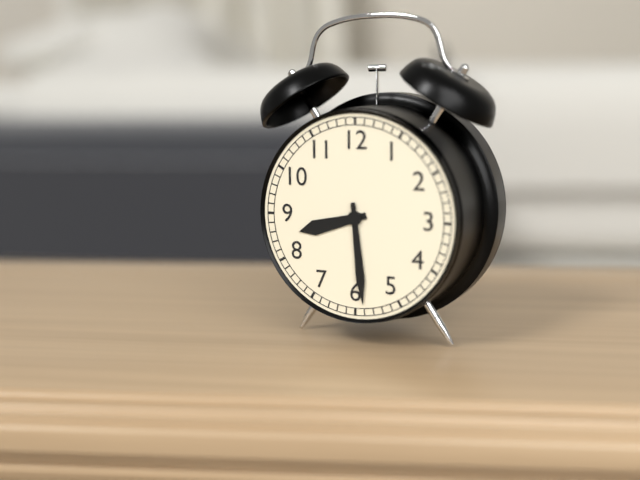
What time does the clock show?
8:29
